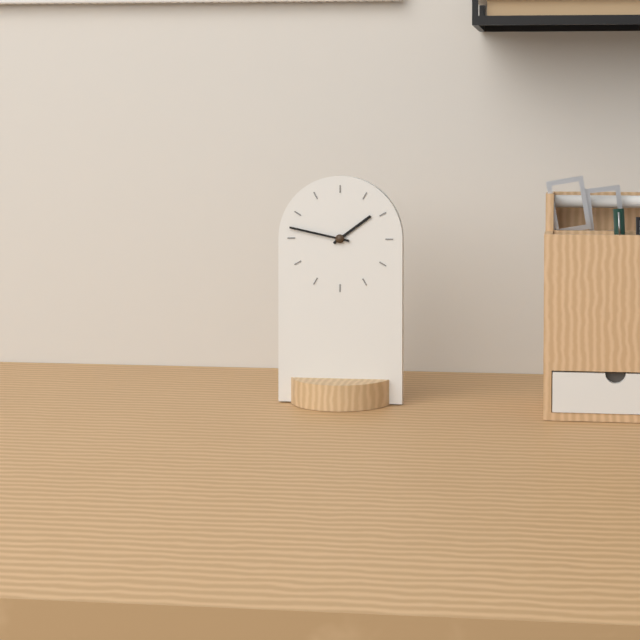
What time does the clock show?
1:47
